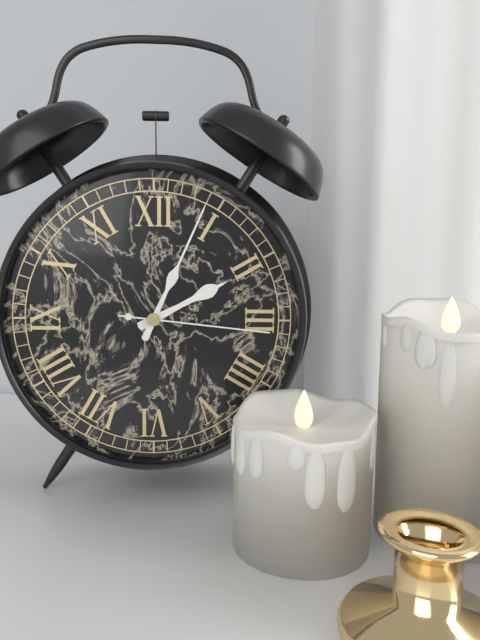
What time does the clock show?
2:04:16
